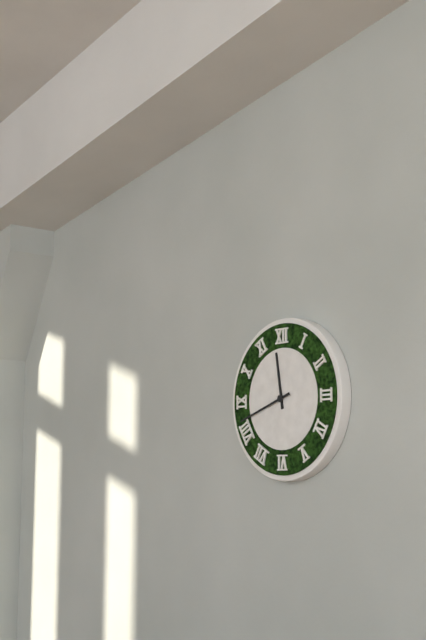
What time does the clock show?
11:42
